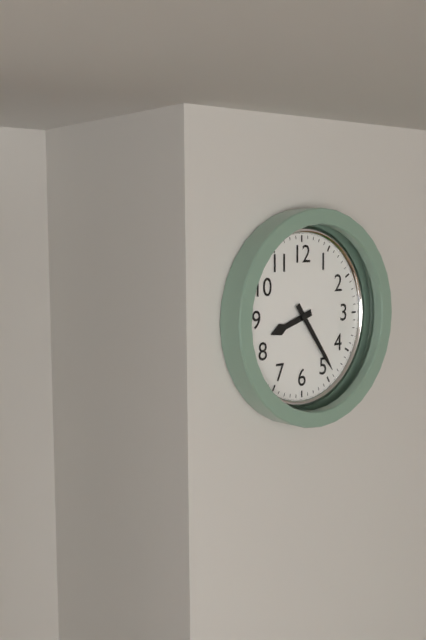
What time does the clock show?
8:24
